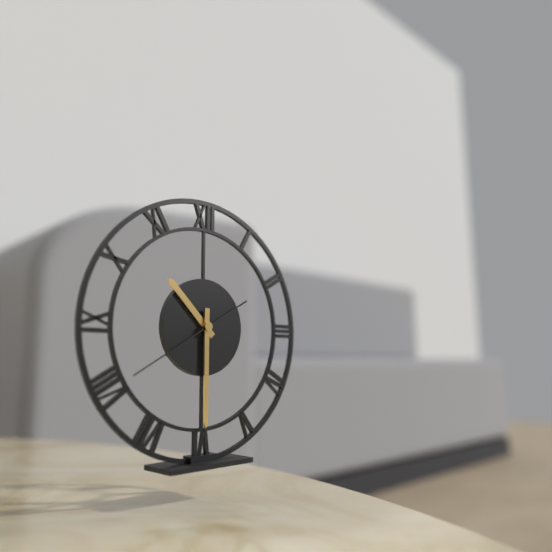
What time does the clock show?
10:30:40
